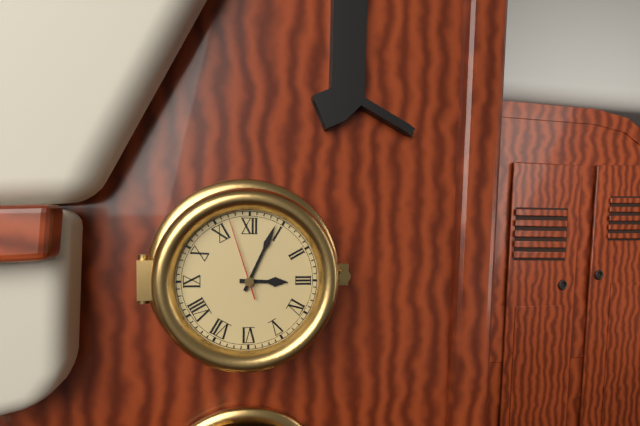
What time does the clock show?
3:04:57
